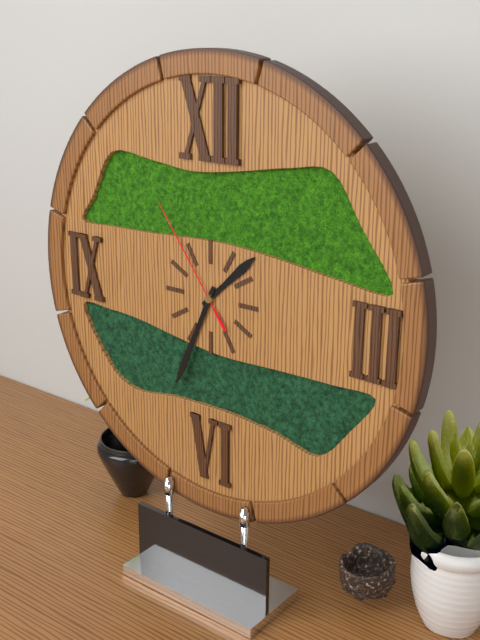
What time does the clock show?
1:34:54
